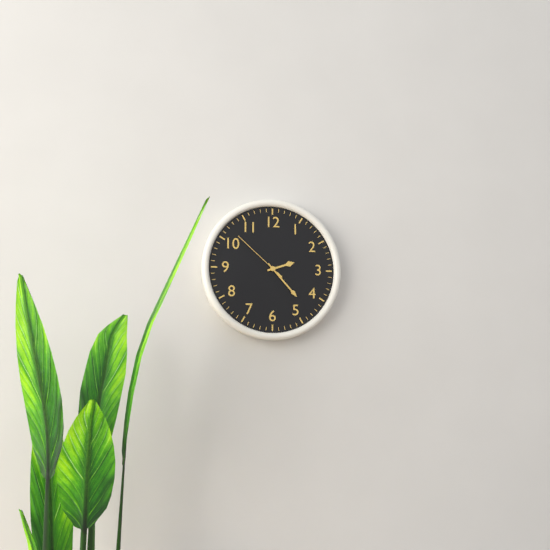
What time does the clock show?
2:23:52
